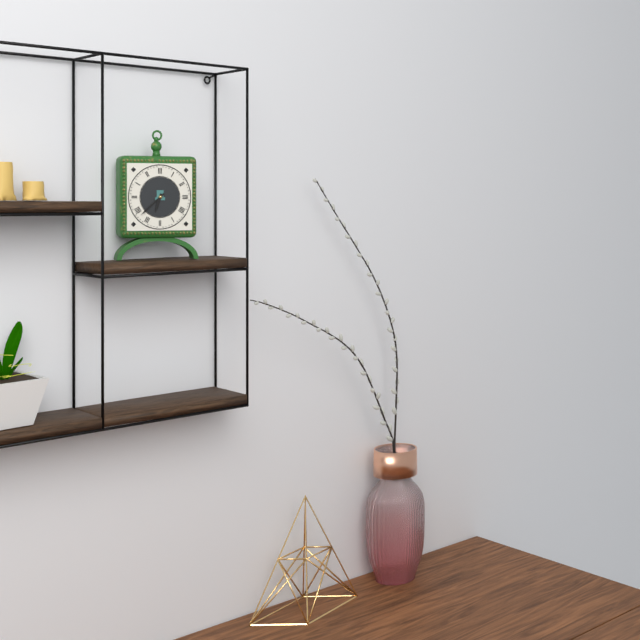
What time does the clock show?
6:38
